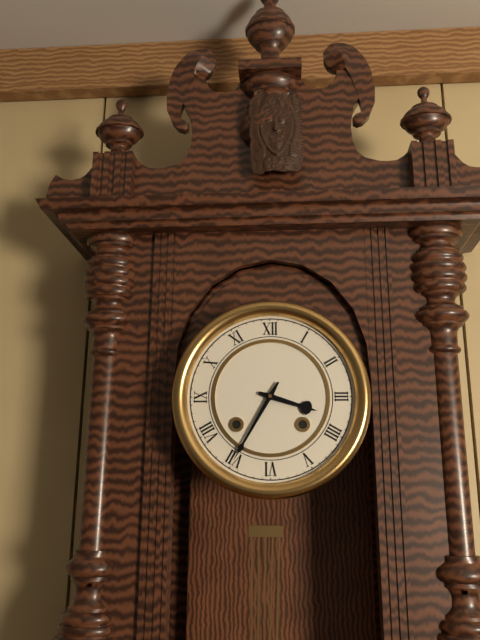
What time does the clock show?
3:35
